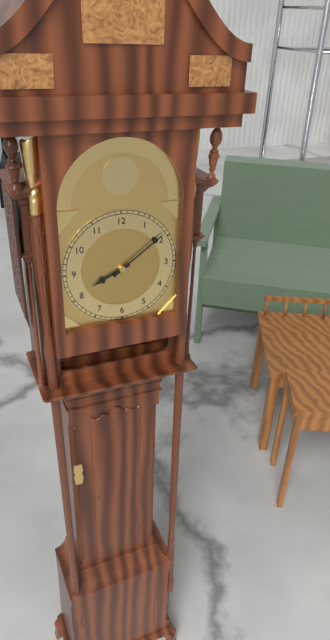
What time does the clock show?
8:09
